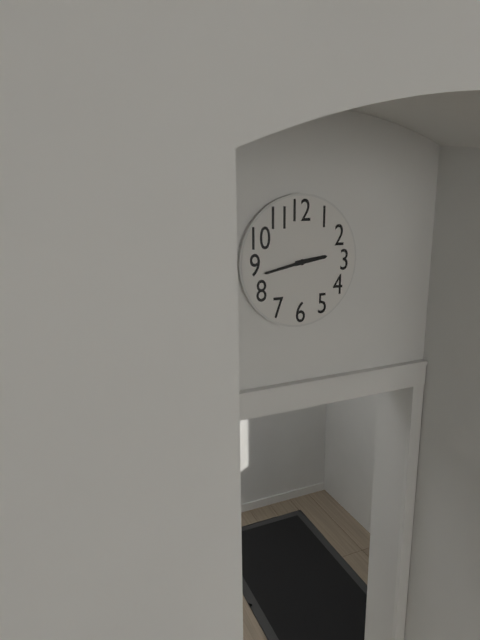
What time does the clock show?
2:43
